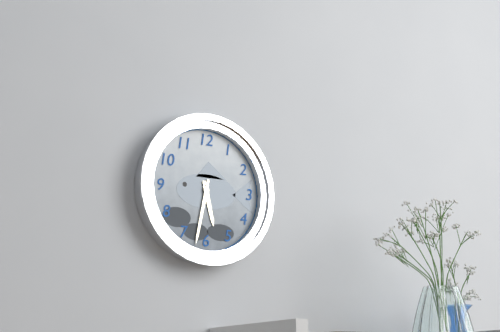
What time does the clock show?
5:32
